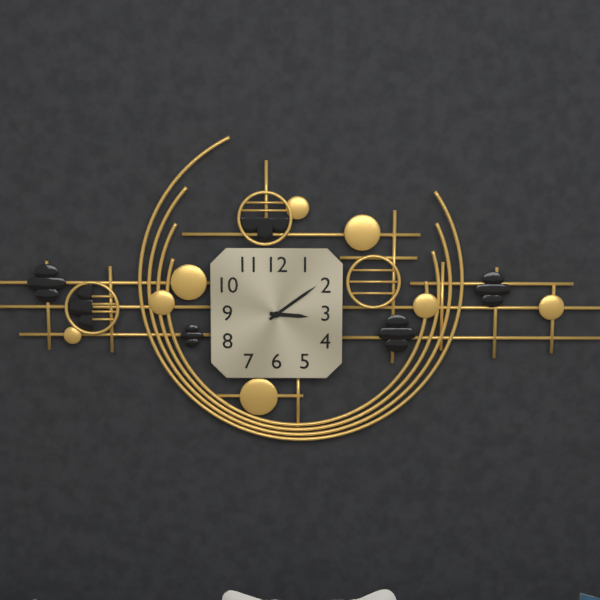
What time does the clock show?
3:09
